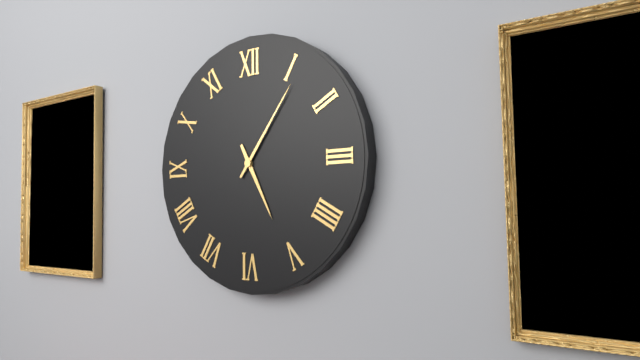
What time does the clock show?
5:06
